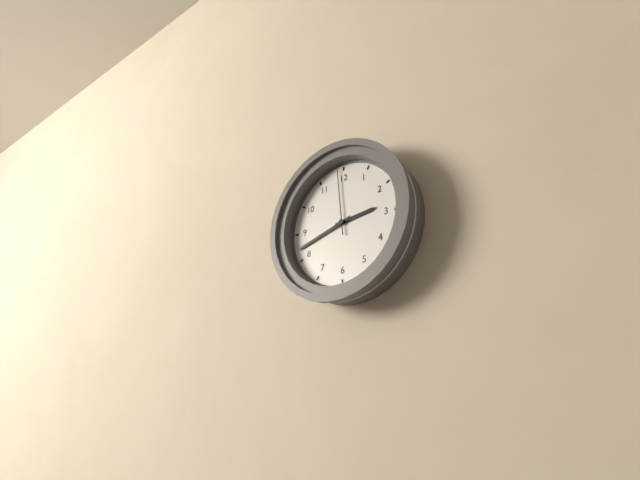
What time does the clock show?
2:42:59
